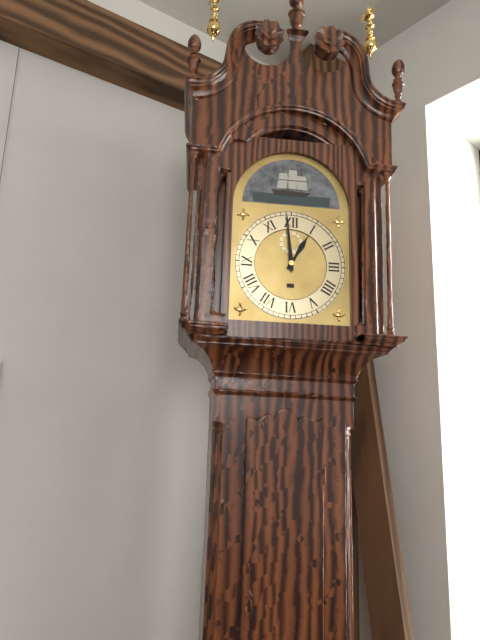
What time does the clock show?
12:59
